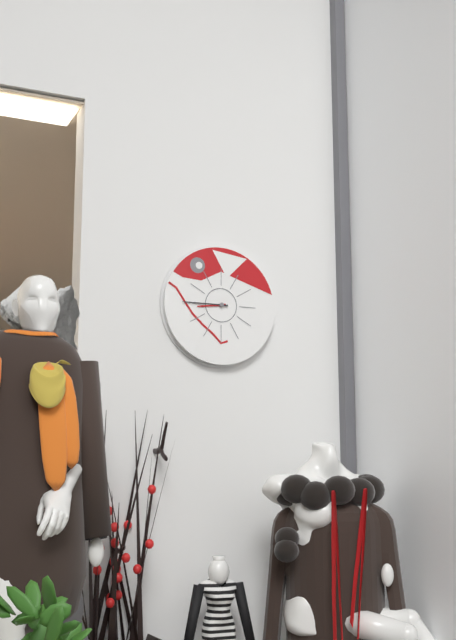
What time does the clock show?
8:45
